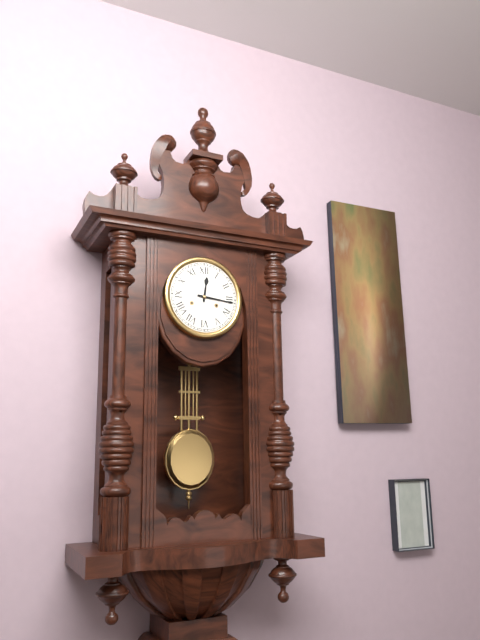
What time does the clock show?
12:16
